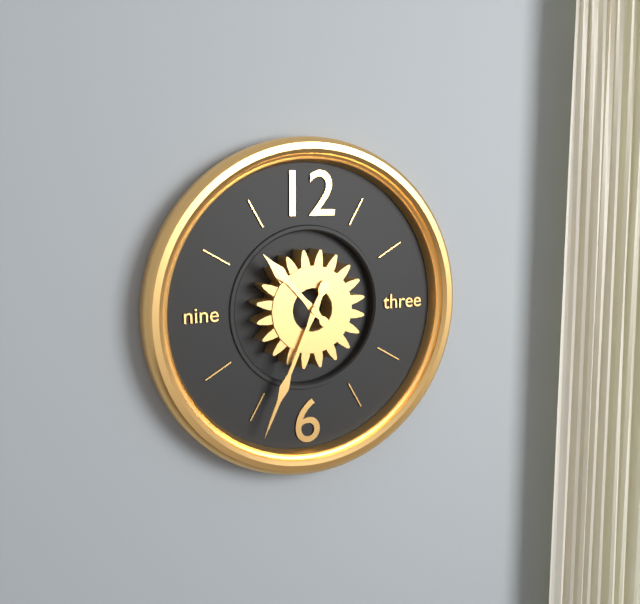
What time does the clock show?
10:34
